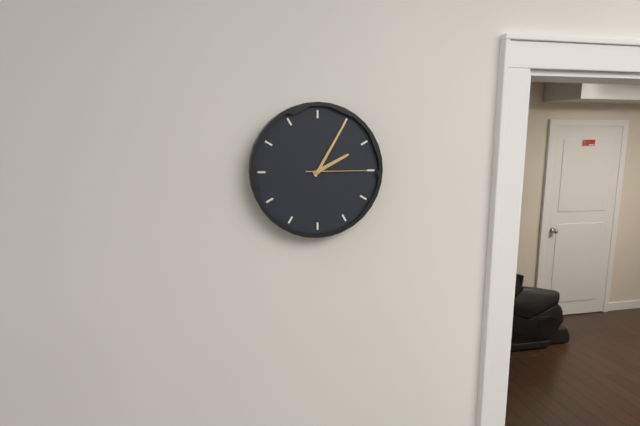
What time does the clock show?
2:05:15
